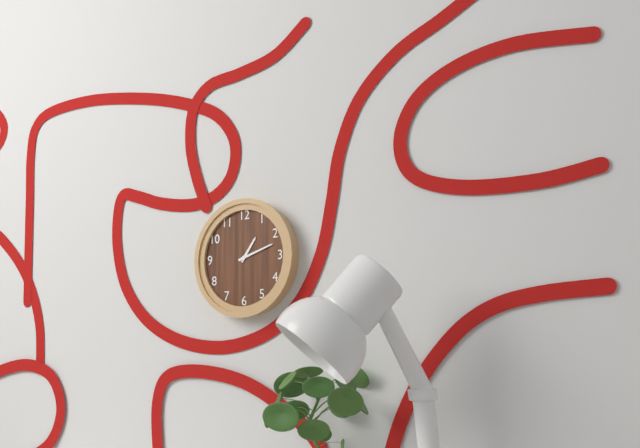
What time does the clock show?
1:12
